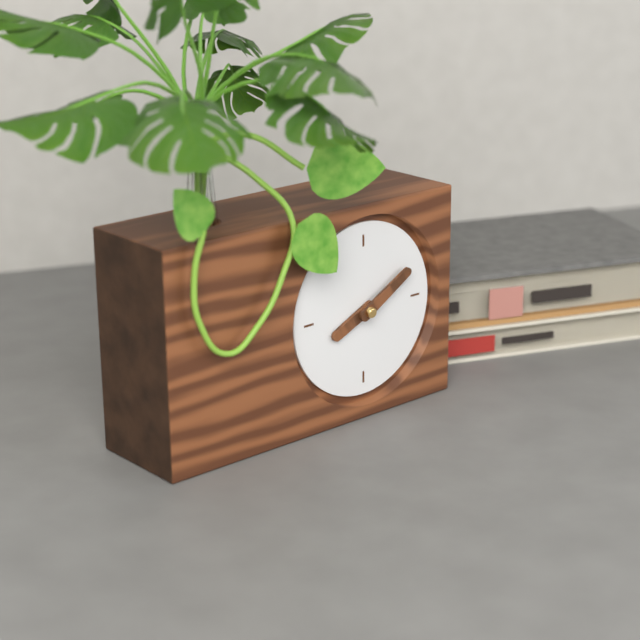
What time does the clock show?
8:10
